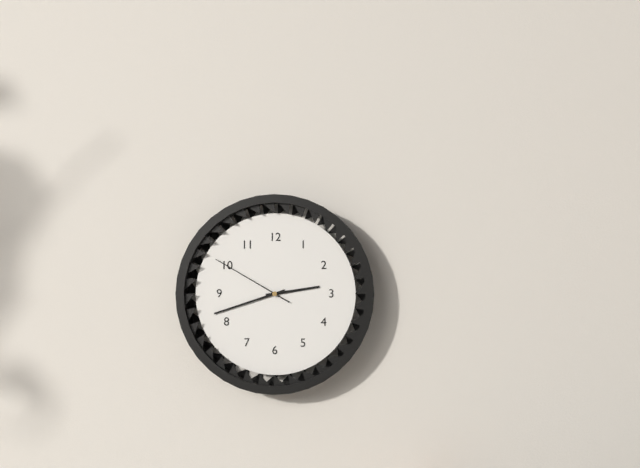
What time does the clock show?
2:42:50
